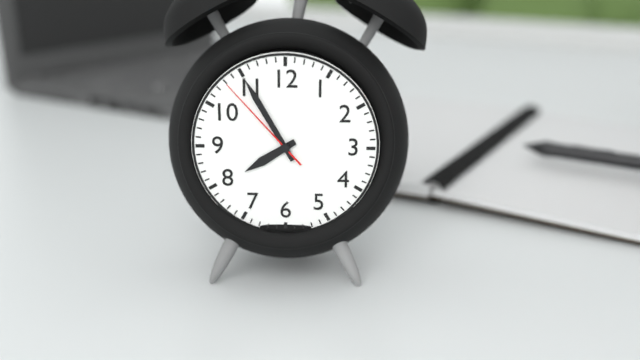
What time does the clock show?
7:55:53
